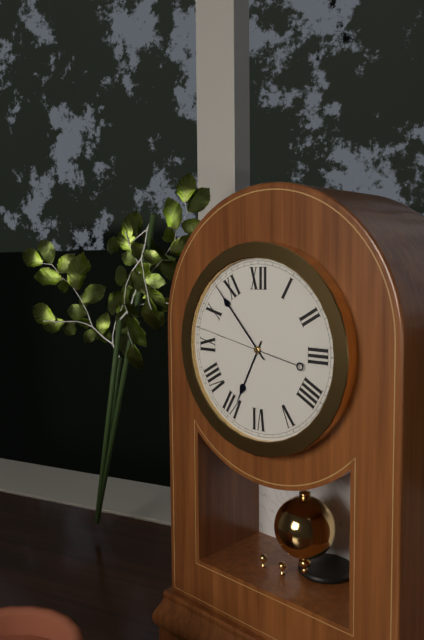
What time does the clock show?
6:53:47
